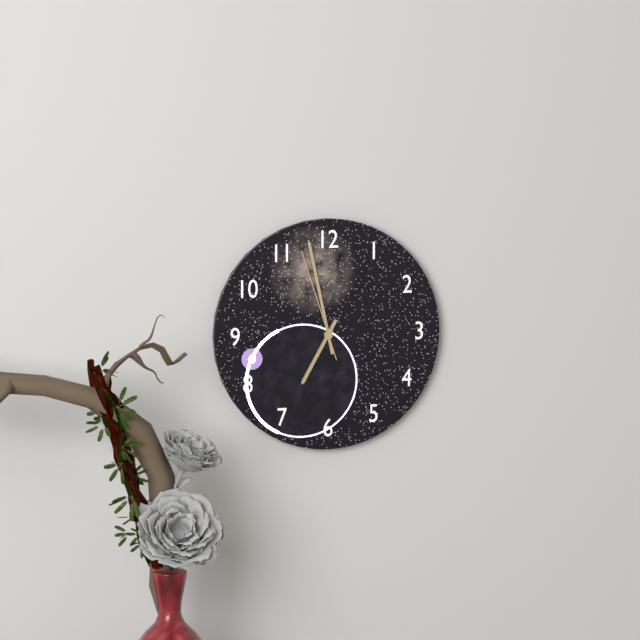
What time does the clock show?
6:58:57
